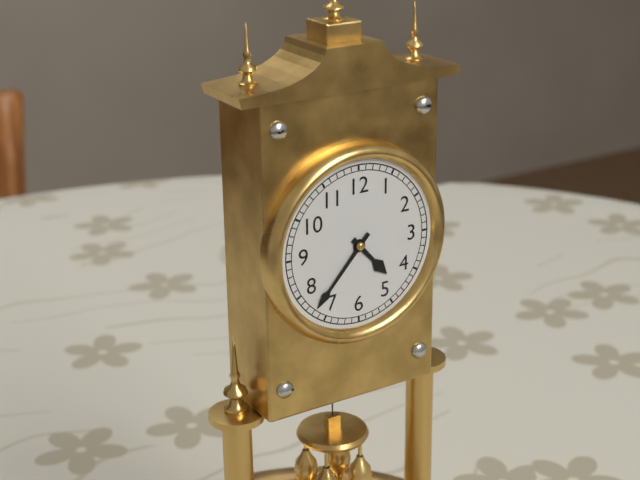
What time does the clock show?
4:37
